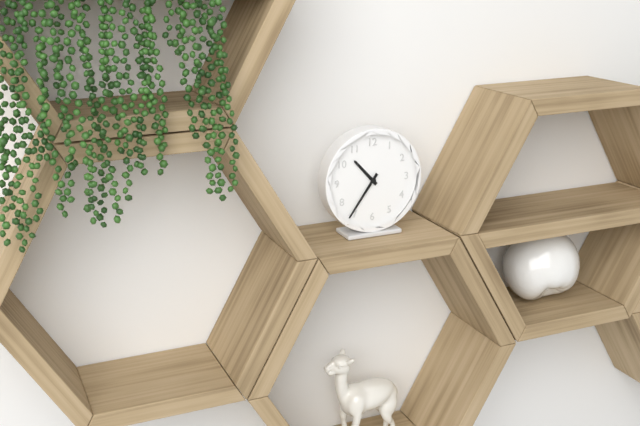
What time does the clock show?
10:36
